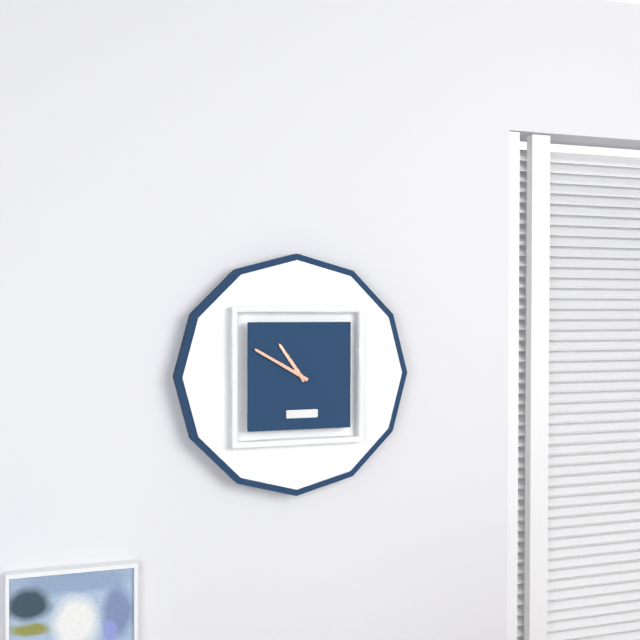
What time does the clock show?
10:50
